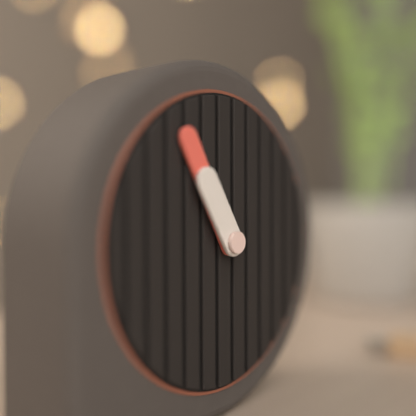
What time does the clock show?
10:55
